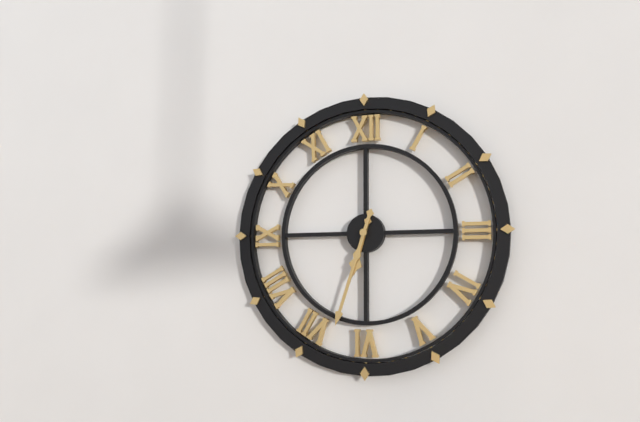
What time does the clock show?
6:33
